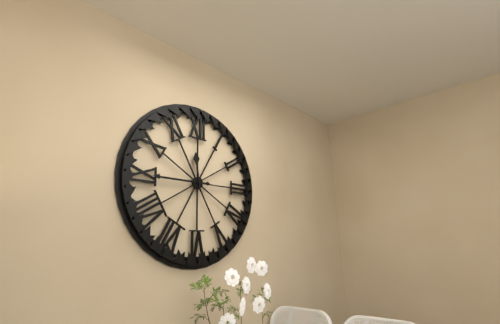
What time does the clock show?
11:45
